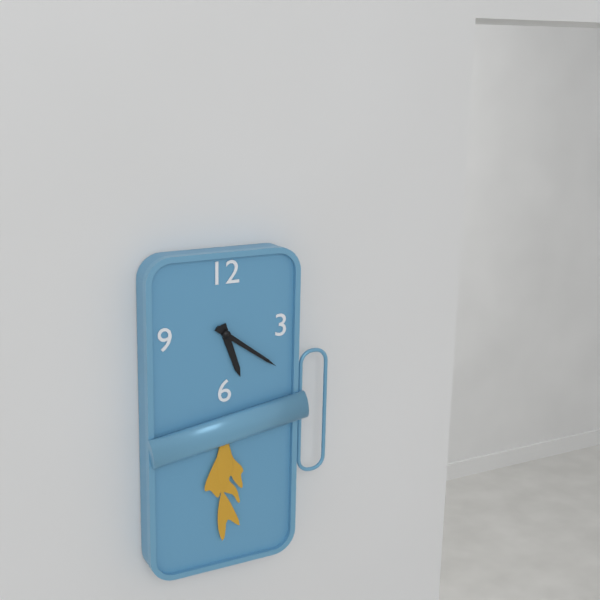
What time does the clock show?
5:21
